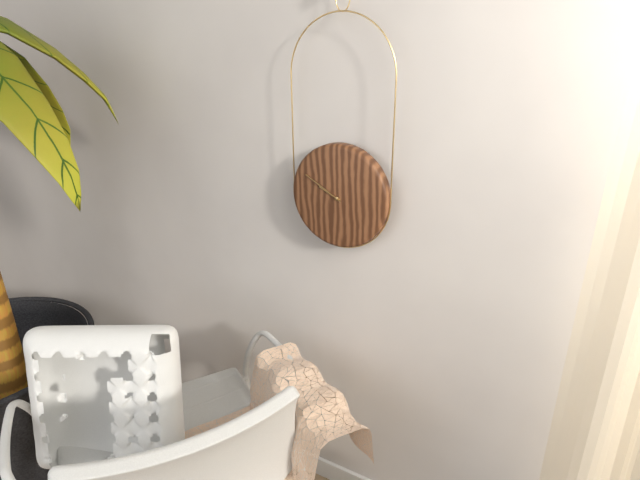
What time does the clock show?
9:50
